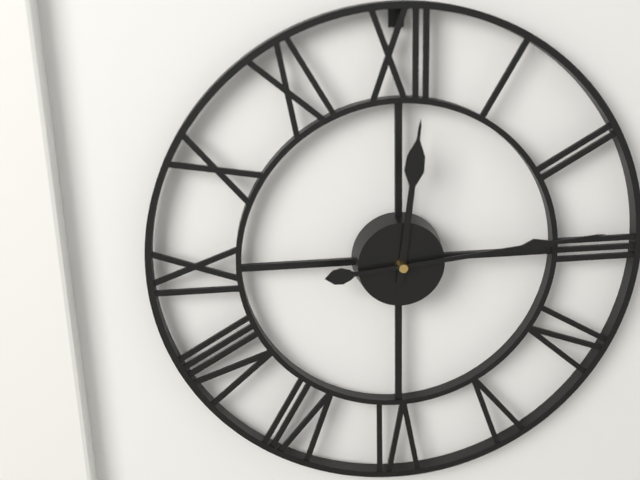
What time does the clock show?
12:14
